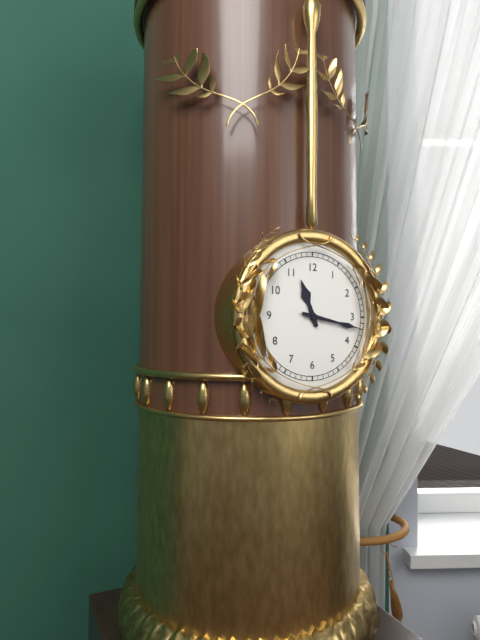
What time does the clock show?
11:17
